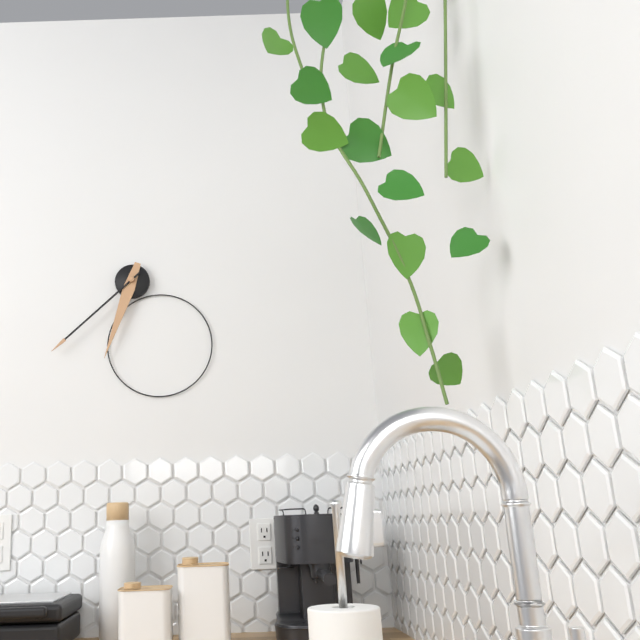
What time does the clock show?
6:38
